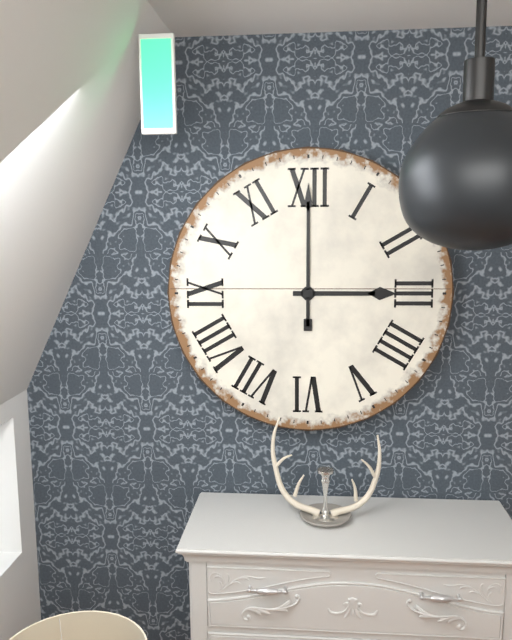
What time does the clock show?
3:00
